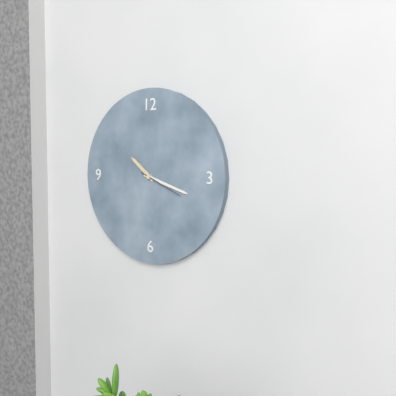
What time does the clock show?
10:18
